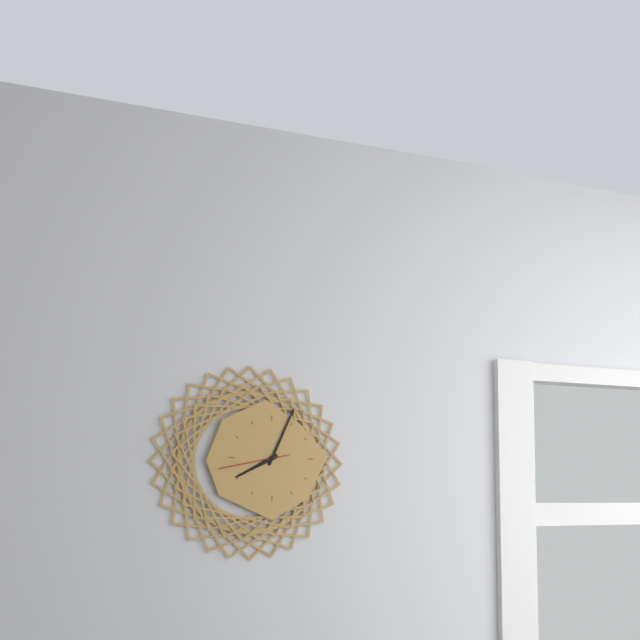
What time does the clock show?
8:04:43
